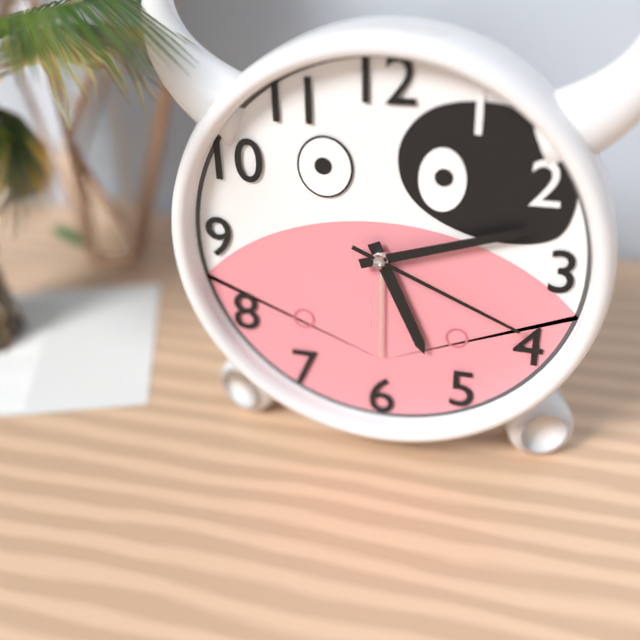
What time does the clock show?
5:12:19
